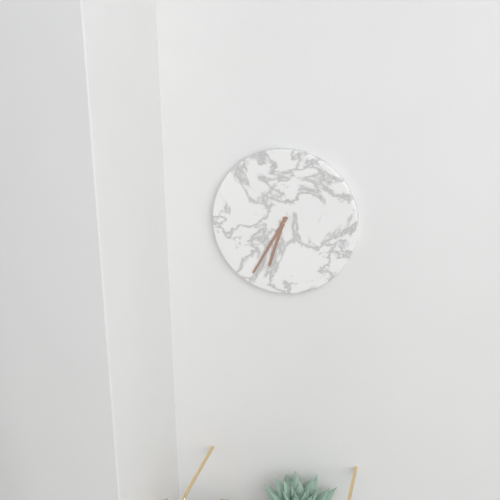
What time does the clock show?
6:35
